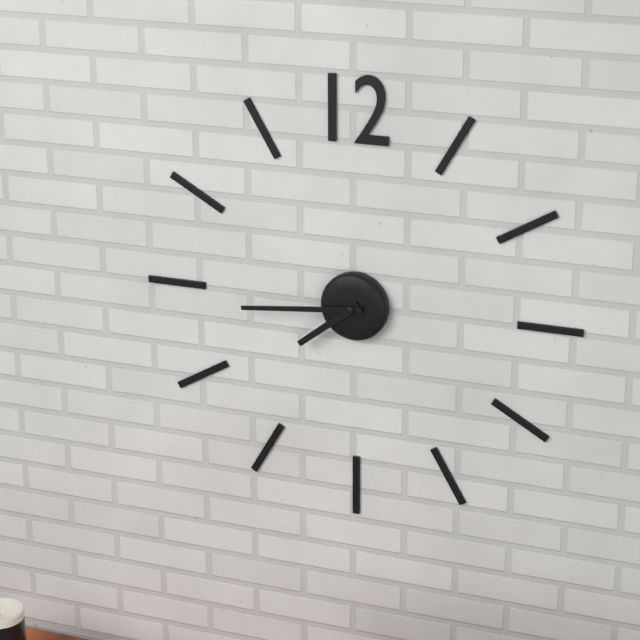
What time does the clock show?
7:44
